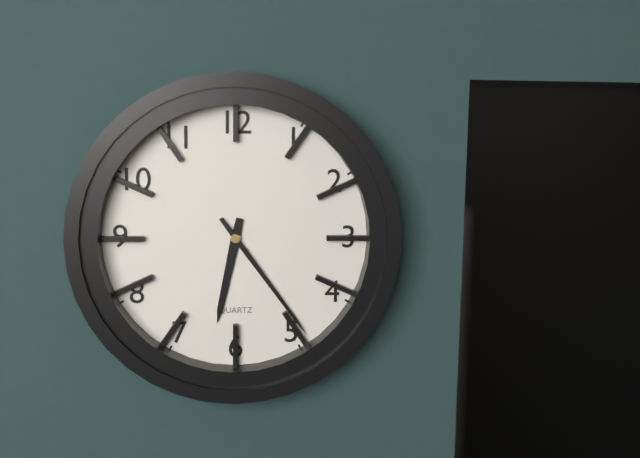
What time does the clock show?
6:24
